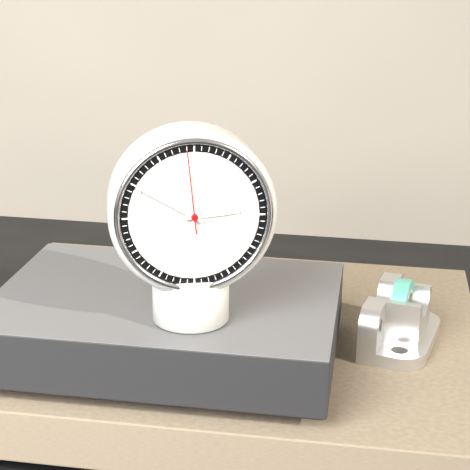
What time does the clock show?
2:50:59
